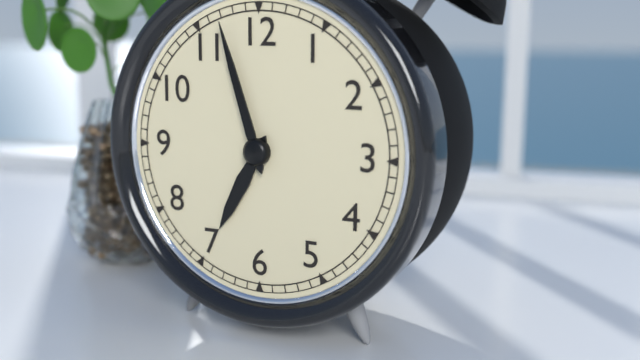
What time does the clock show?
6:57
